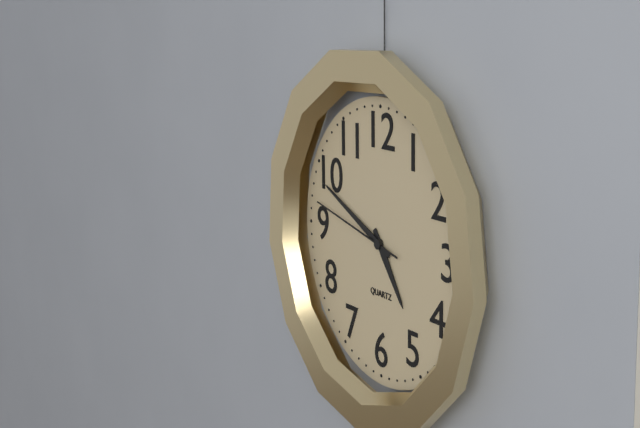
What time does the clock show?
4:49:47
